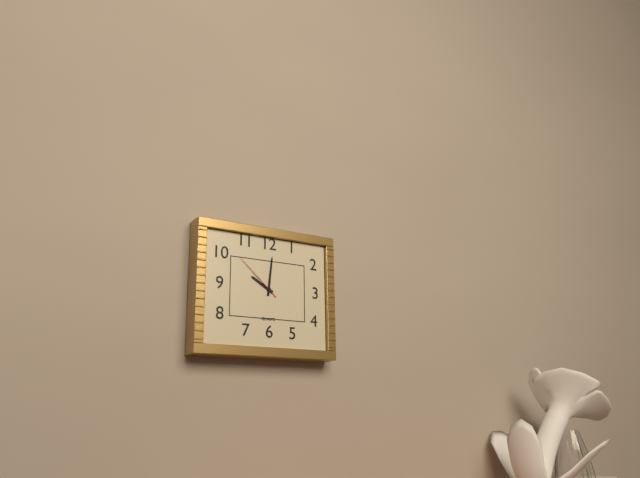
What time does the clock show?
10:01:52
